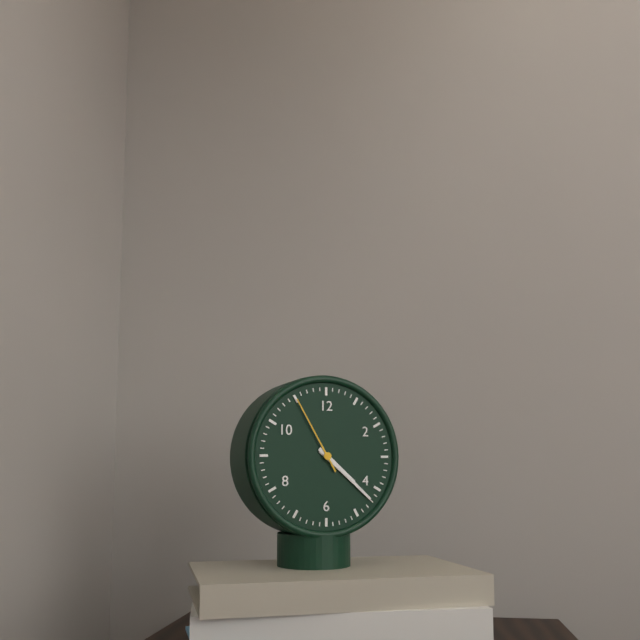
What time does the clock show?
4:22:55
